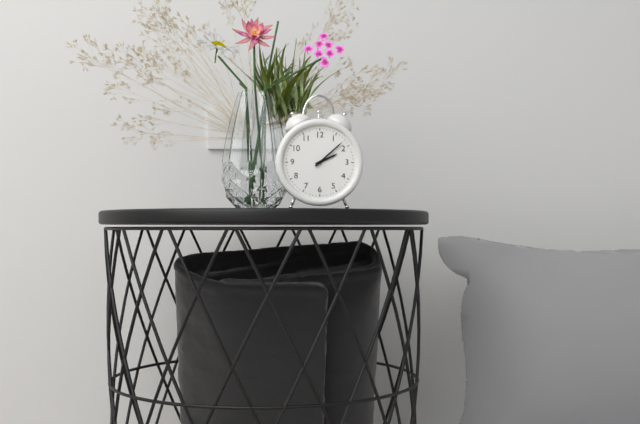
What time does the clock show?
2:08
